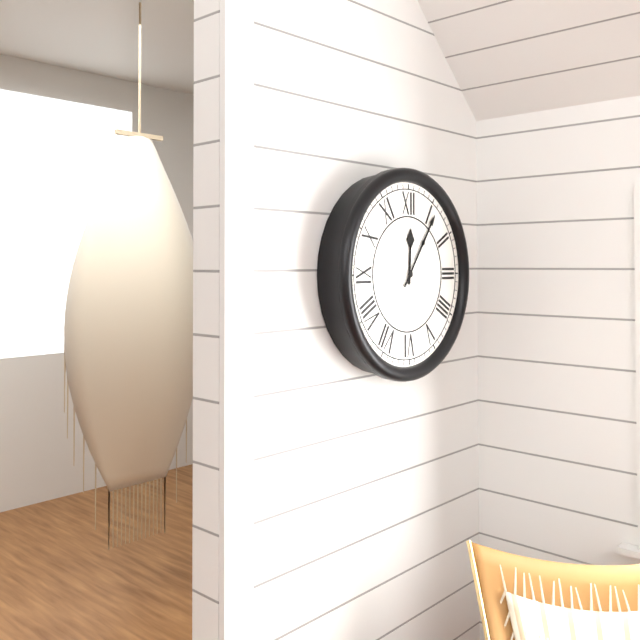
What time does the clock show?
12:06
